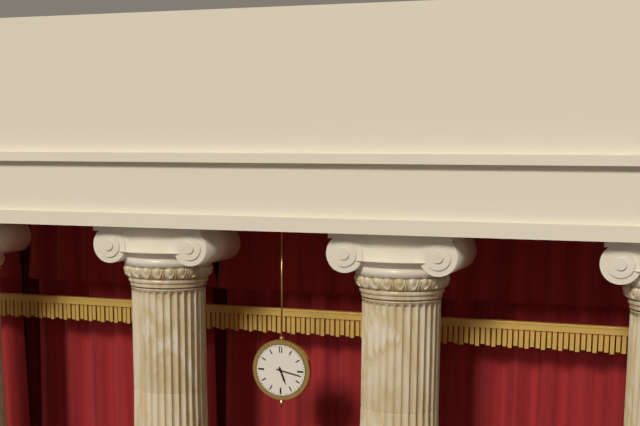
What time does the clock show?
5:17
